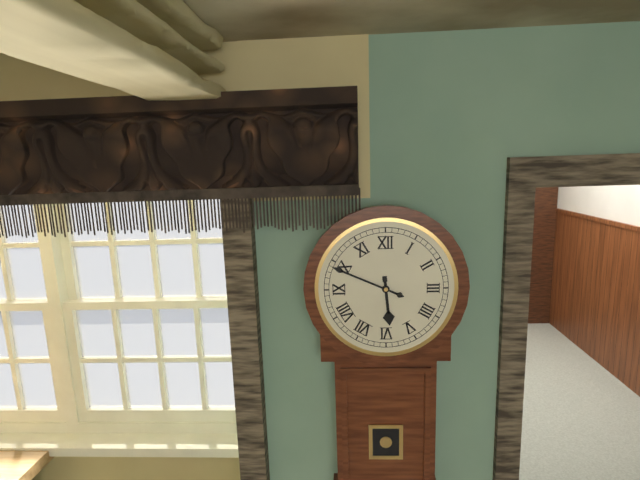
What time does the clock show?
5:49
